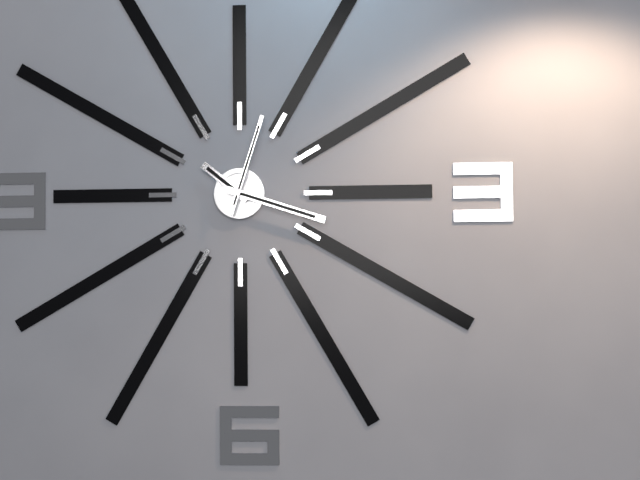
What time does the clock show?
10:18:03
